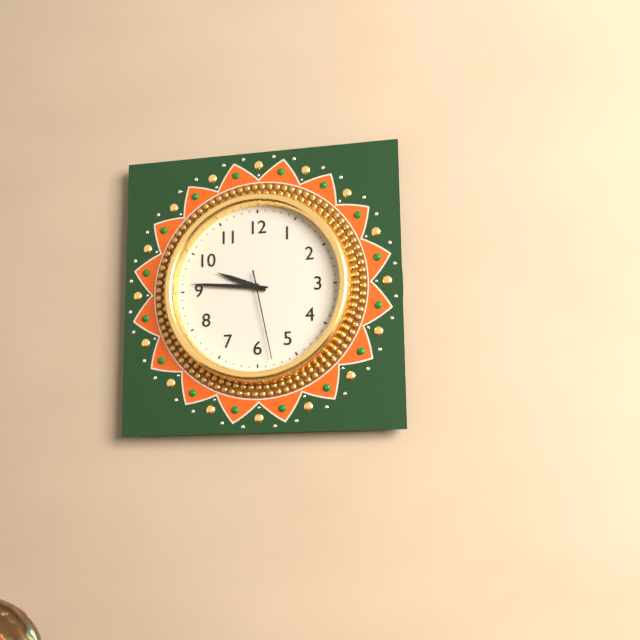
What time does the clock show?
9:46:28
